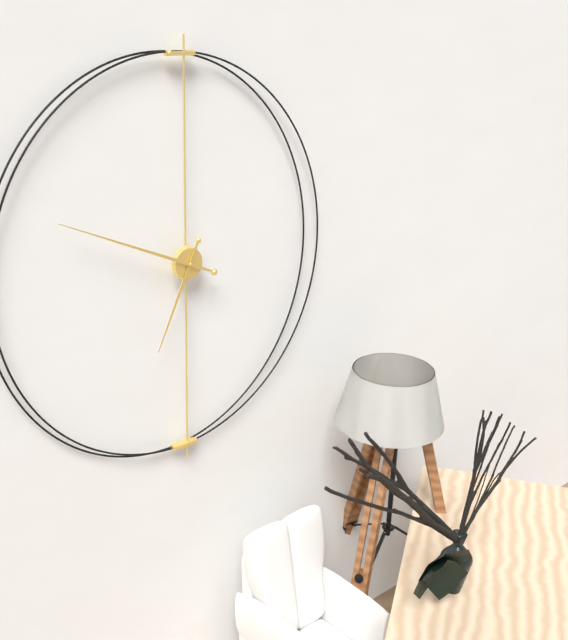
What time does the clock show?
6:49
